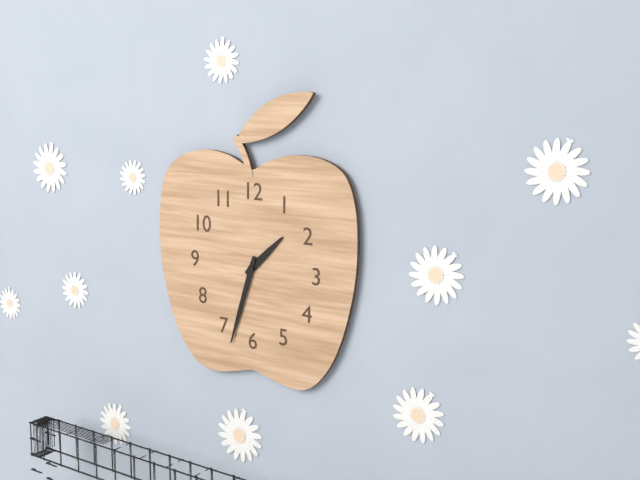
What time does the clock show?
1:33
